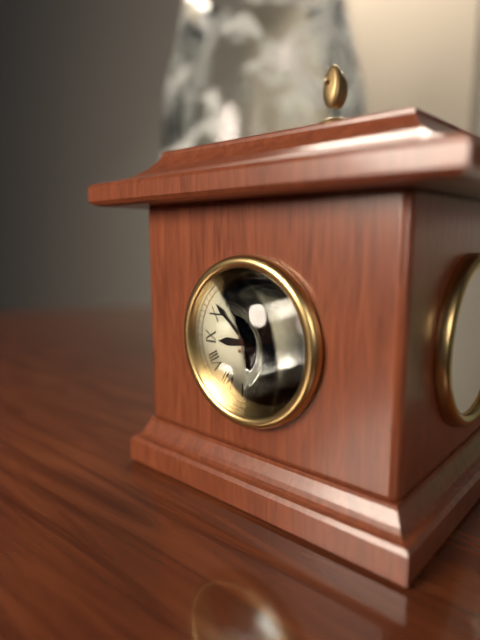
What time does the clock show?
8:52:06
